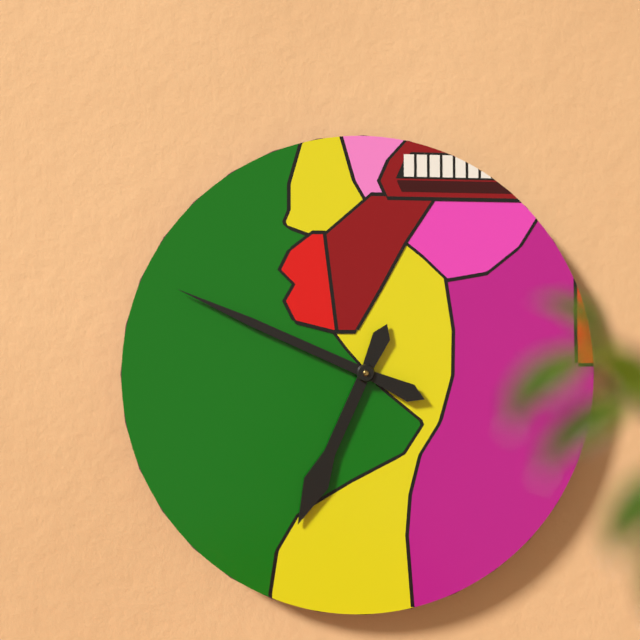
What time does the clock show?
6:49
